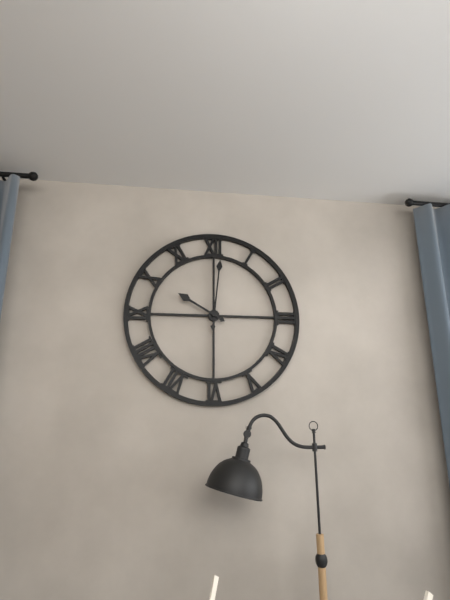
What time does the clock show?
10:01
